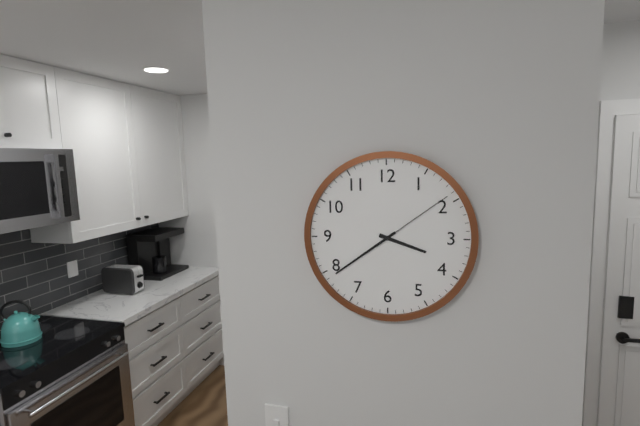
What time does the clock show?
3:39:09
